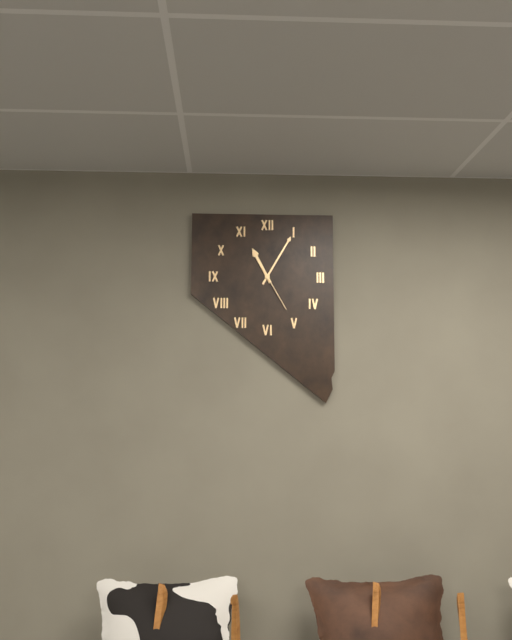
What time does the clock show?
11:05
